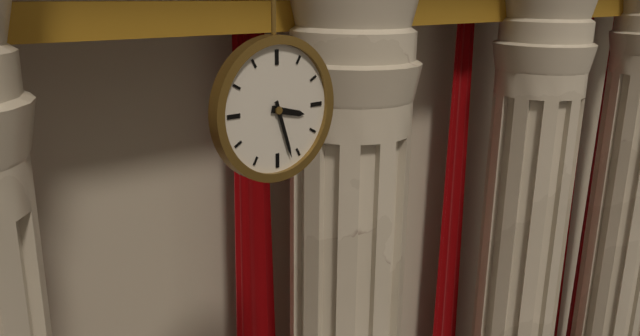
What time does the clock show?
3:27
